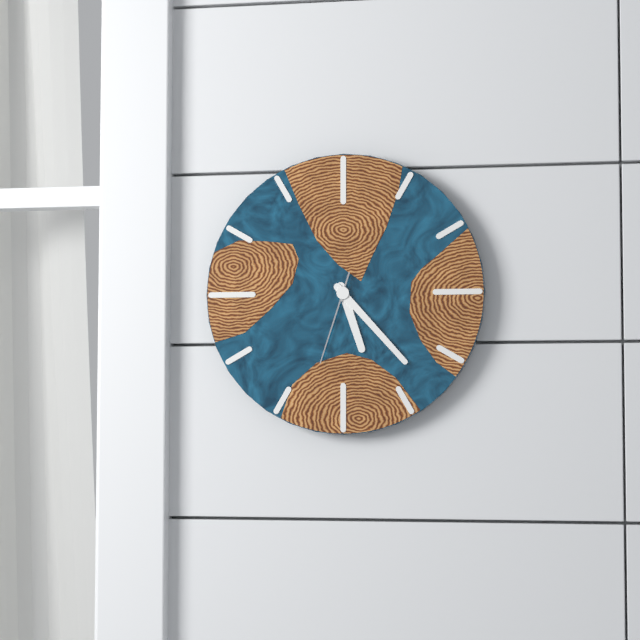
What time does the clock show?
5:23:33
